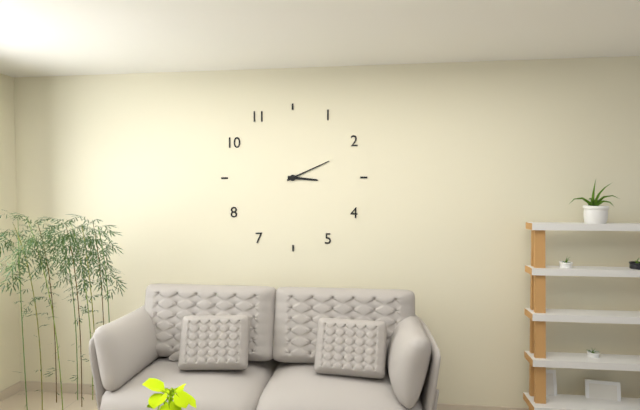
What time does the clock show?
3:11
